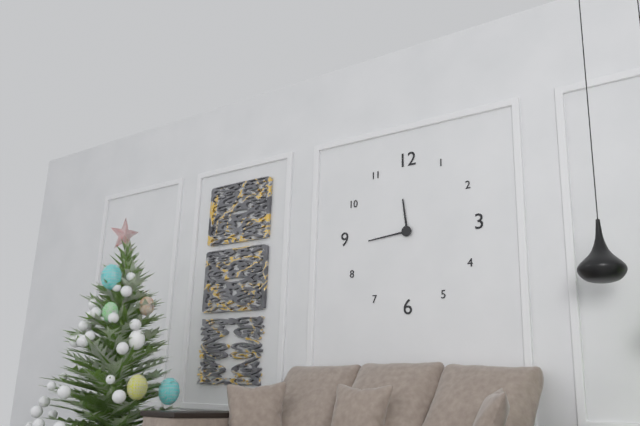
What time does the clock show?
11:44
